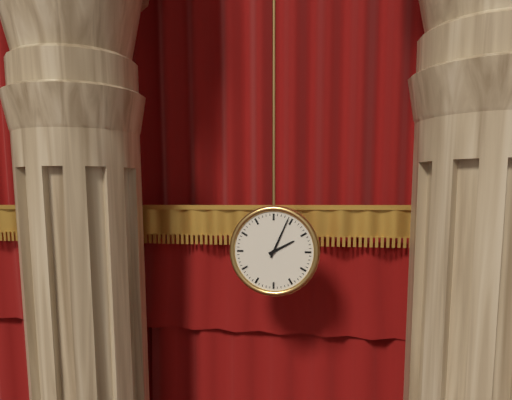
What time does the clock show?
2:04
